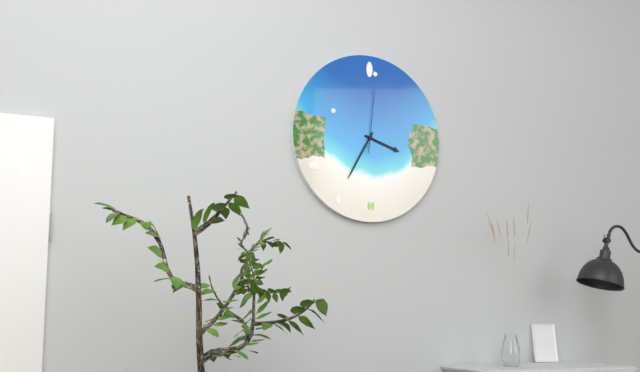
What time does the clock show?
3:35:01
